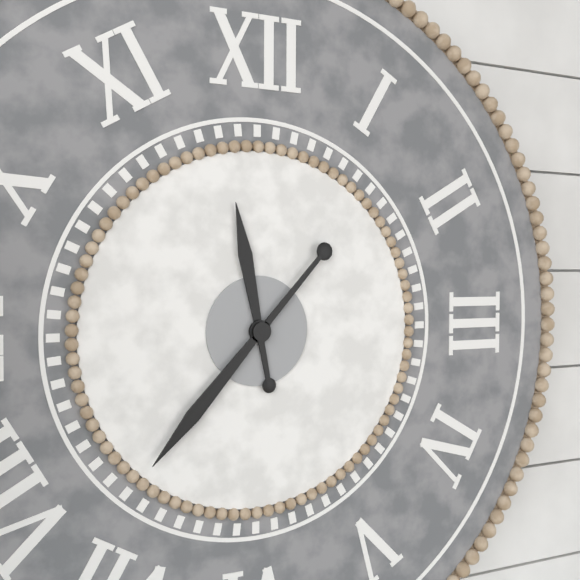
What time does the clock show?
11:37
